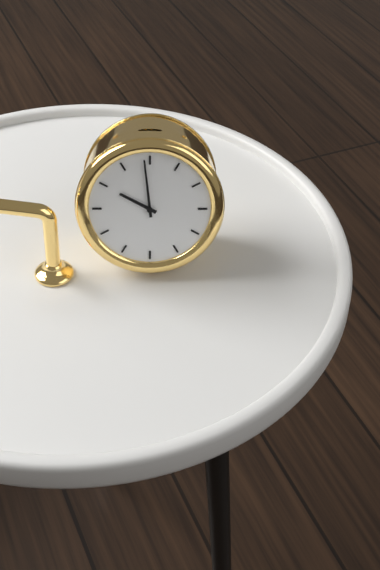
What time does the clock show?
9:59
